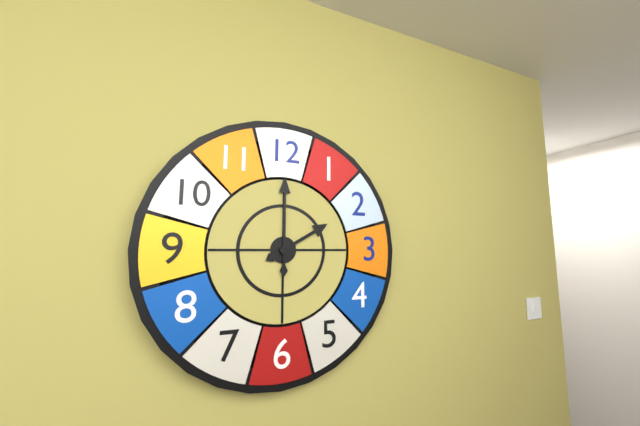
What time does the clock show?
2:00
